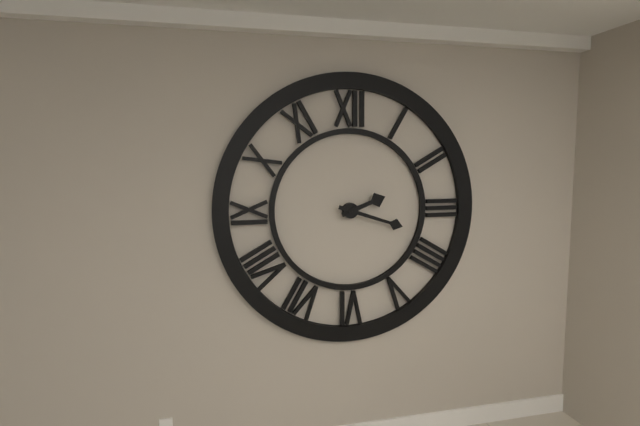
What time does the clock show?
2:18
